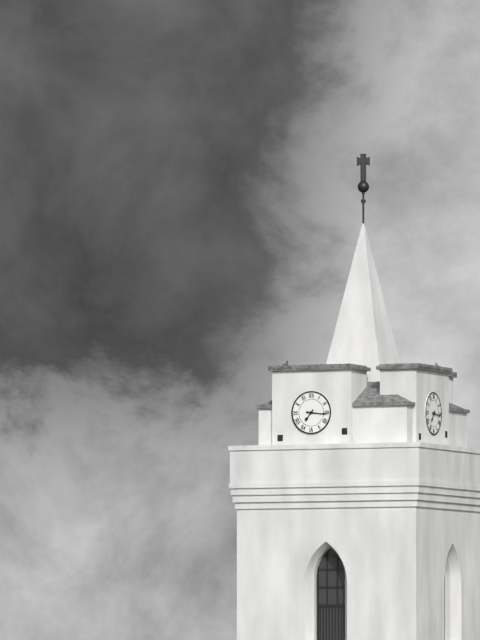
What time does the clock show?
7:16
